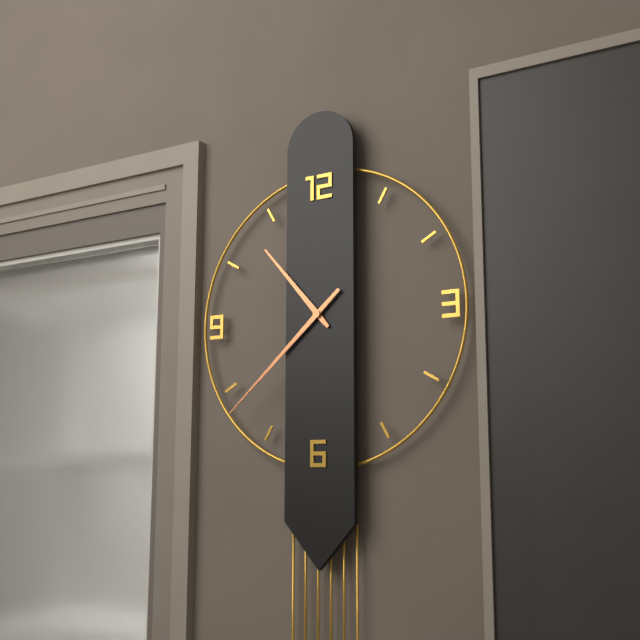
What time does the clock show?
10:38
